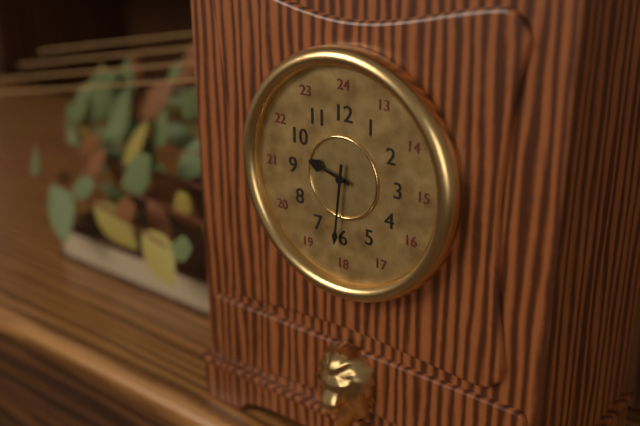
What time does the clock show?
9:31
